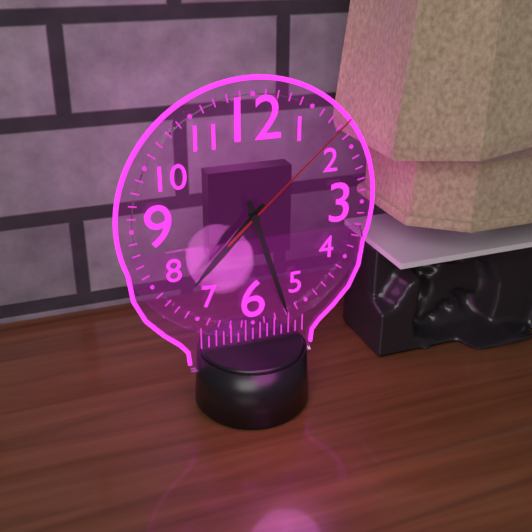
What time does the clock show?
7:27:08
